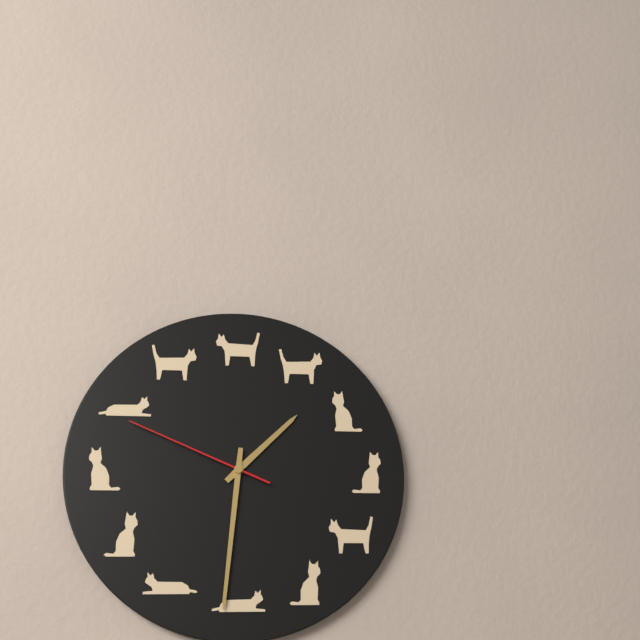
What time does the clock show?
1:31:49
